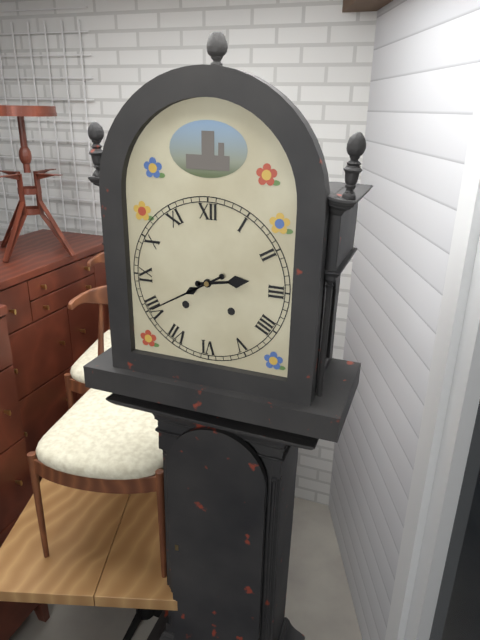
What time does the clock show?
2:40
